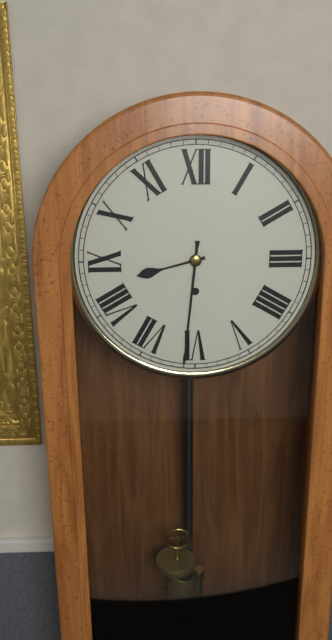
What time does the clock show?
8:31
